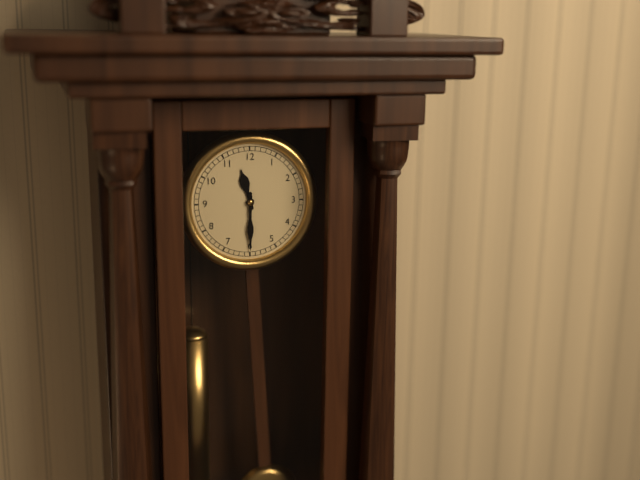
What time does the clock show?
11:30
